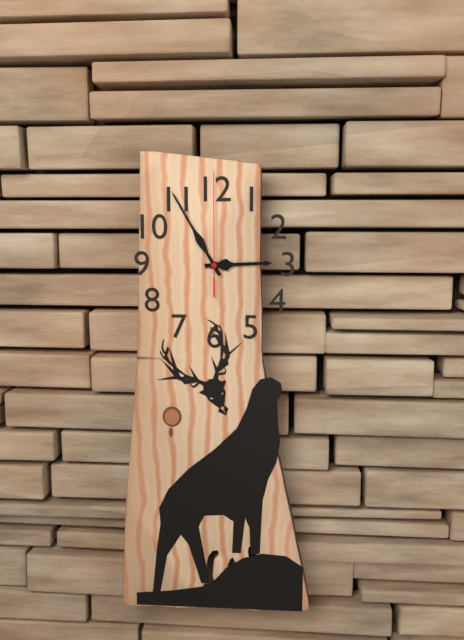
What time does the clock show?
2:55:00
